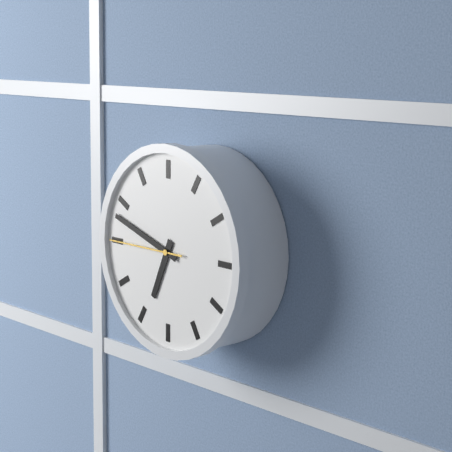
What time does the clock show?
6:48:45
